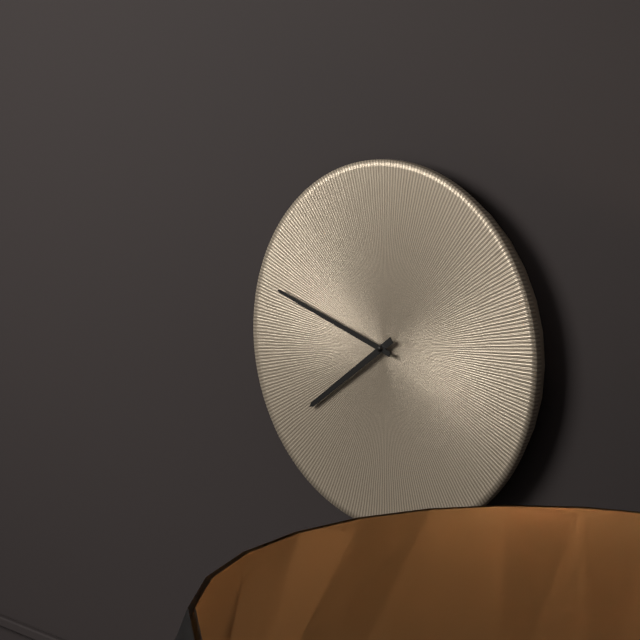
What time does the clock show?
7:48
